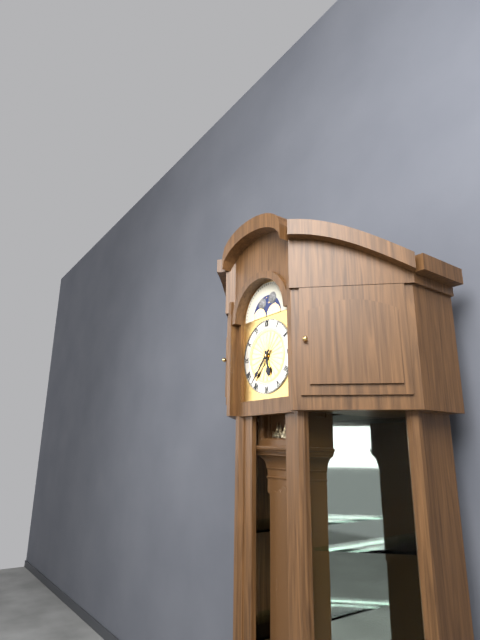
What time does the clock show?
5:37
